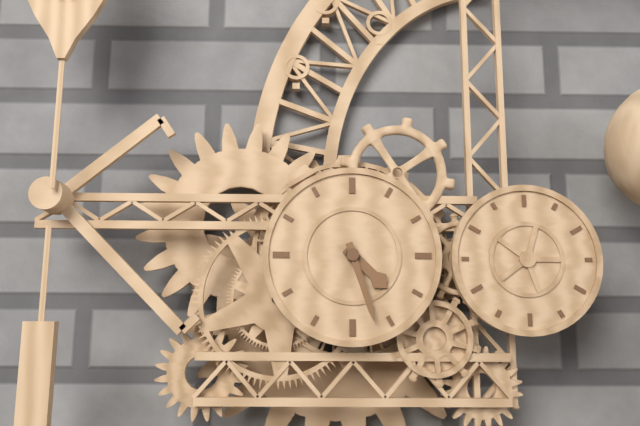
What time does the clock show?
4:27
